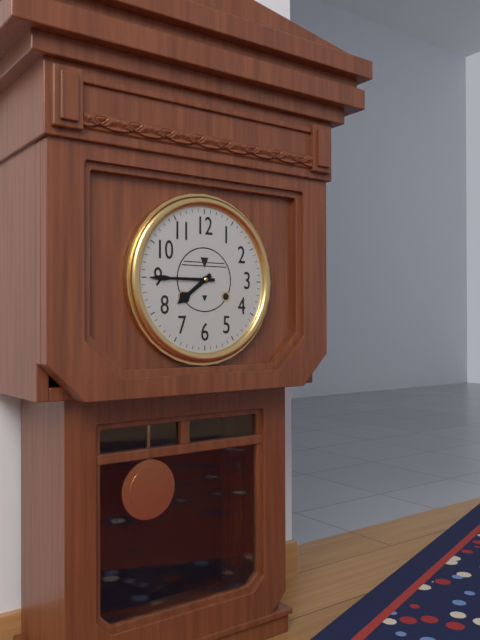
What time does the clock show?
7:45
